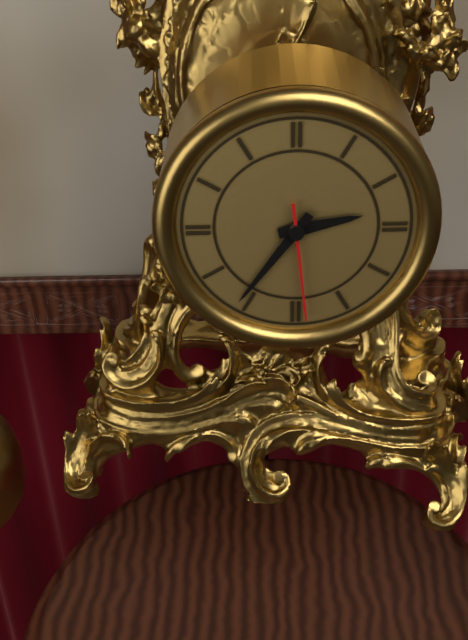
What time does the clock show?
2:36:29
